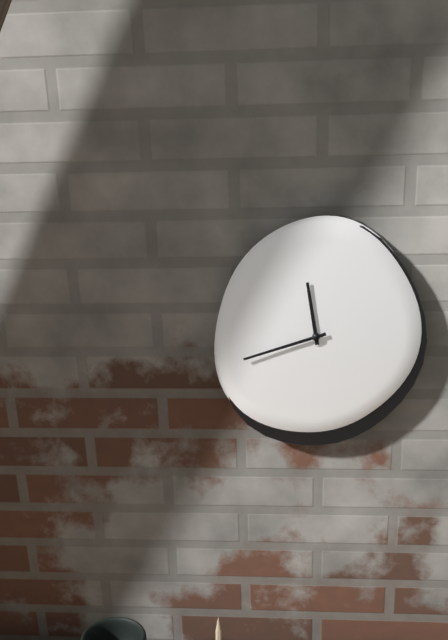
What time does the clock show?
11:42
